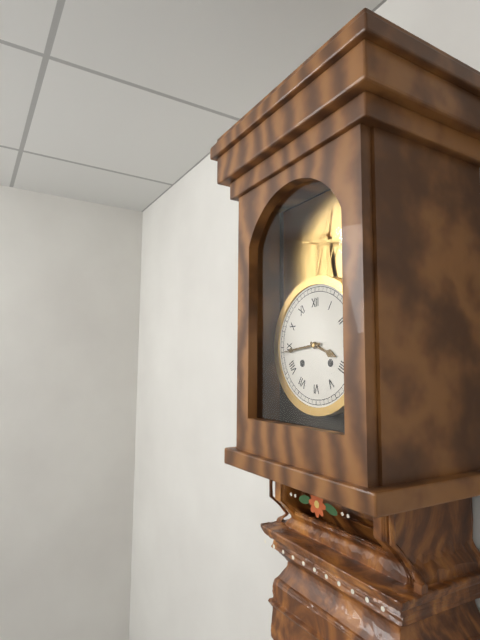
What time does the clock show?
3:44
